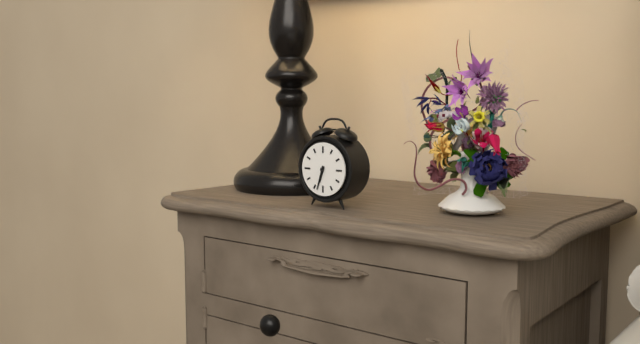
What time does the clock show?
6:33
